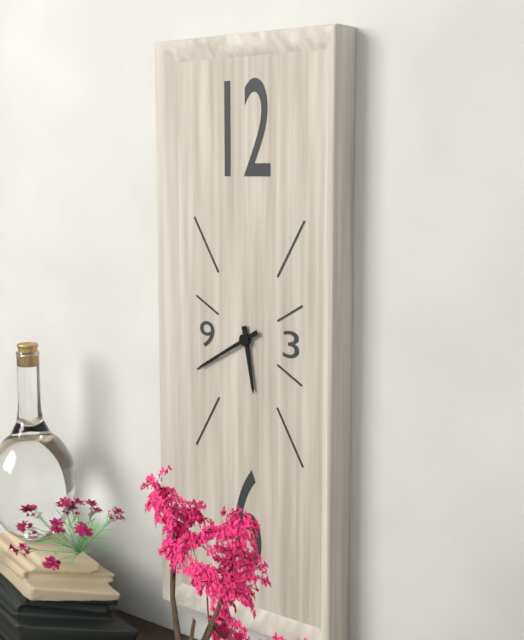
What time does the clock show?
5:40
